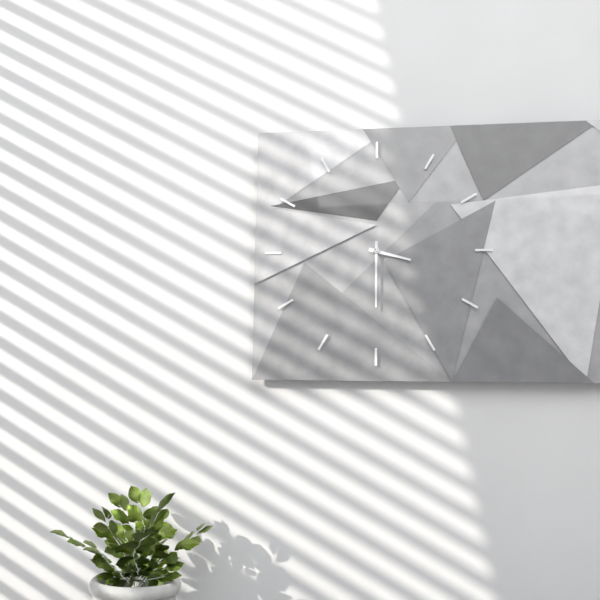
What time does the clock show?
3:30
